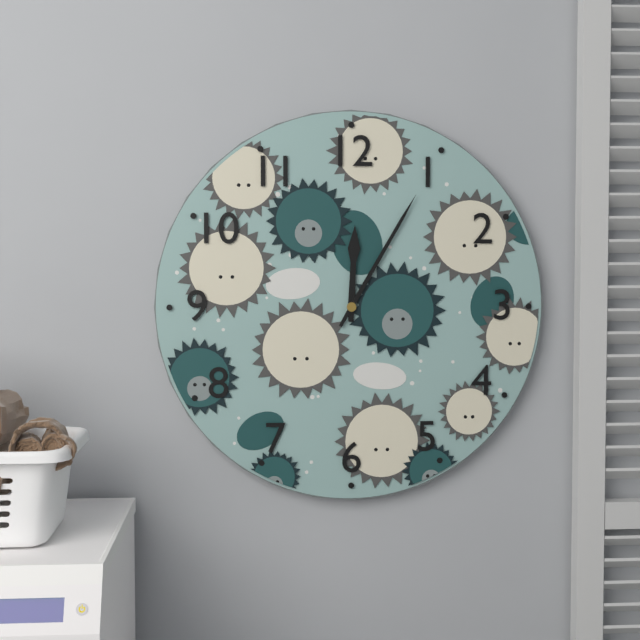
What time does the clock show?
12:05
